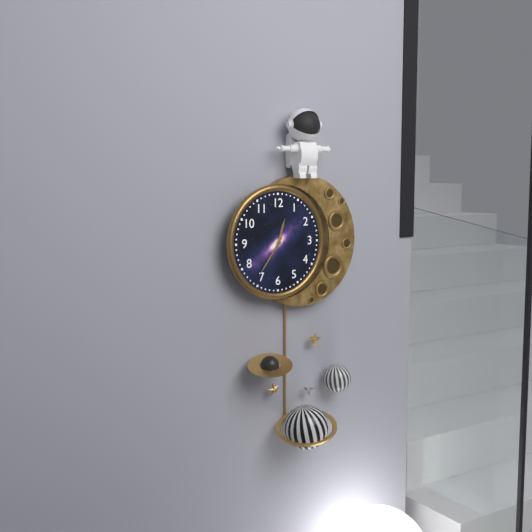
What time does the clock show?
12:36
